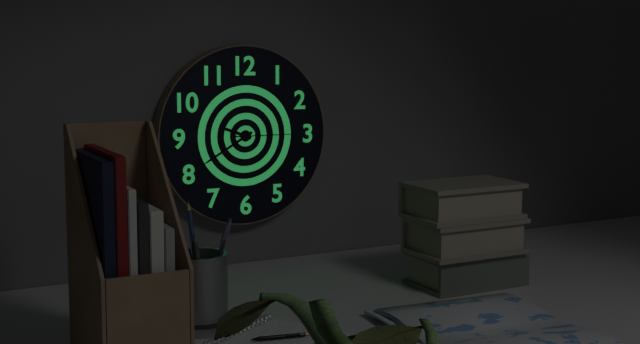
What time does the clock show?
9:40:15
